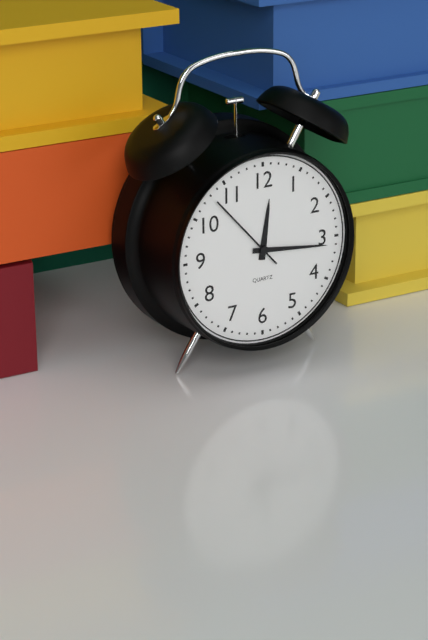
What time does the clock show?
12:16:53
